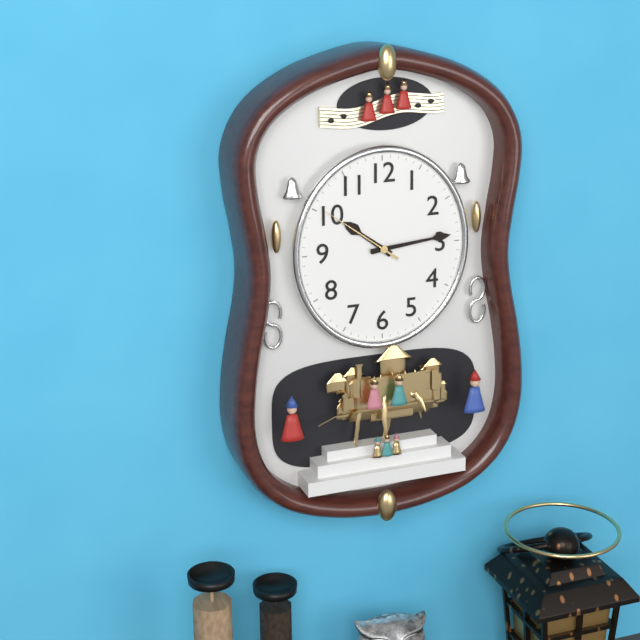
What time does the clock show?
10:14:51
